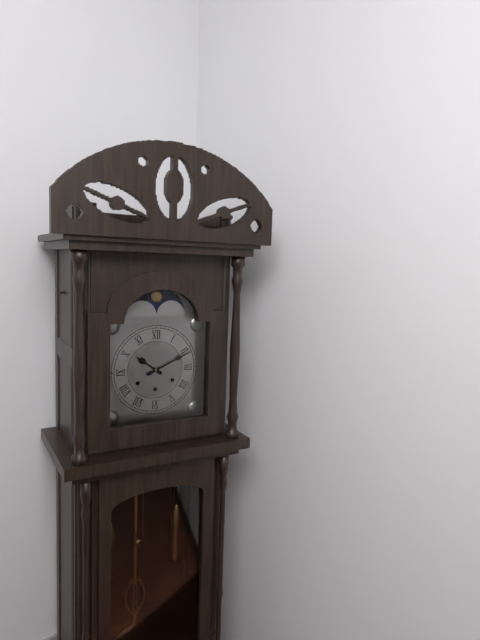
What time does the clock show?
10:11
